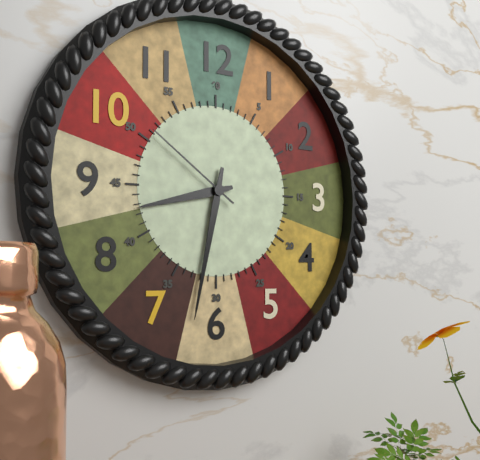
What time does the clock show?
8:32:51
